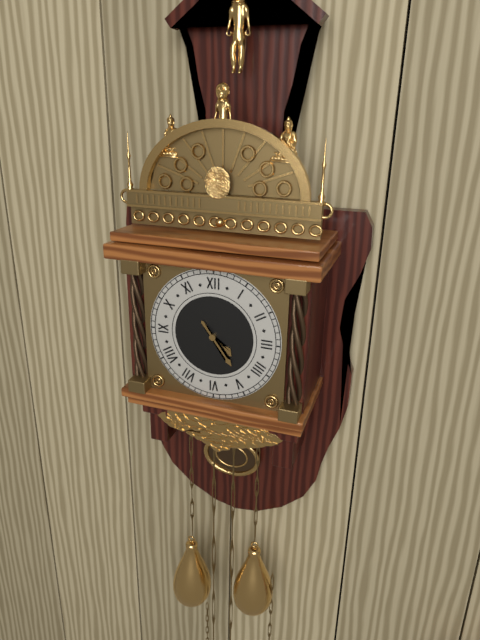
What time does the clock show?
4:24
